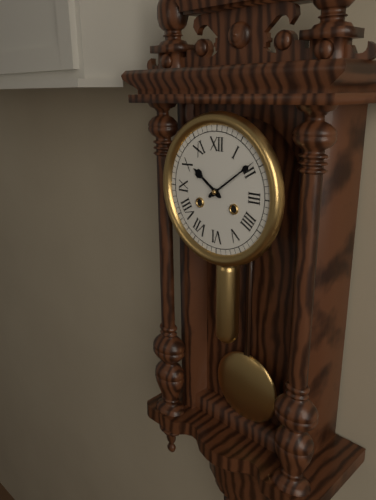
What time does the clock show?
10:09
